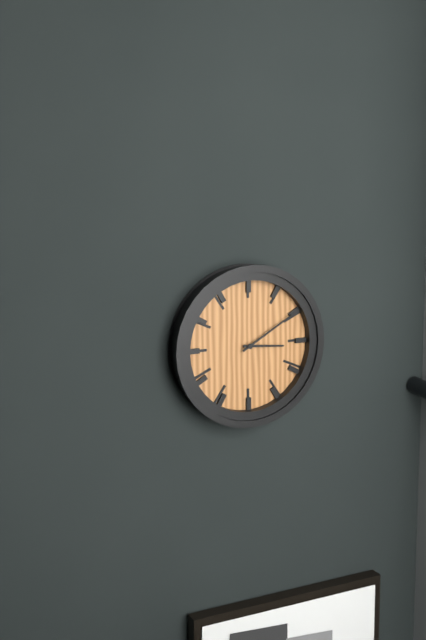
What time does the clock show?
3:10
